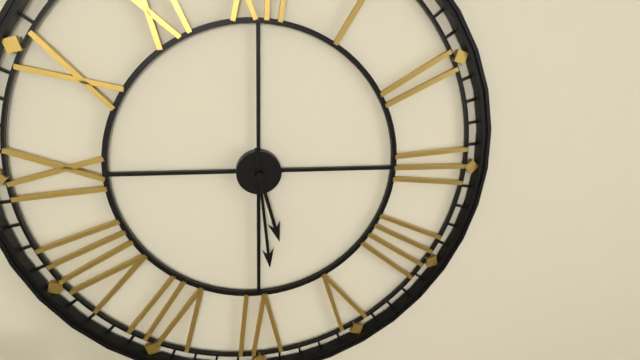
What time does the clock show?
5:29
